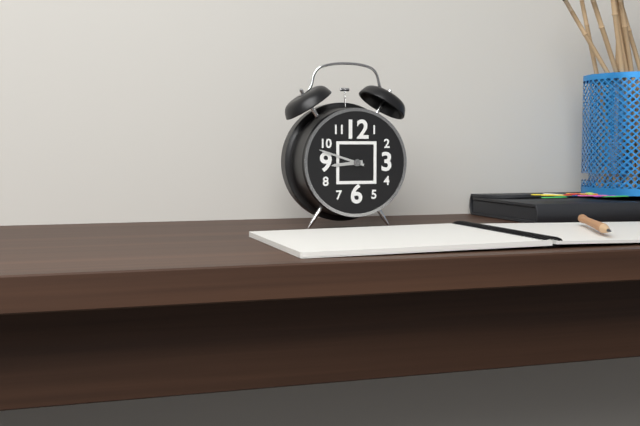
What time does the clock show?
8:48
